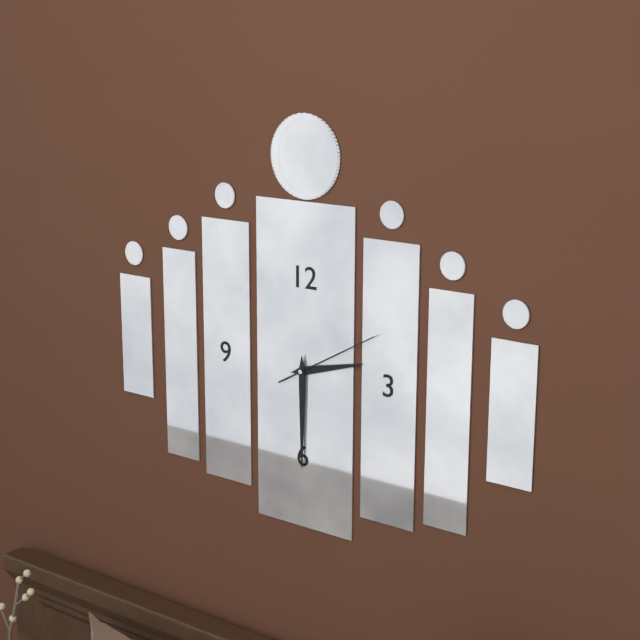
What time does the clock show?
2:30:10
